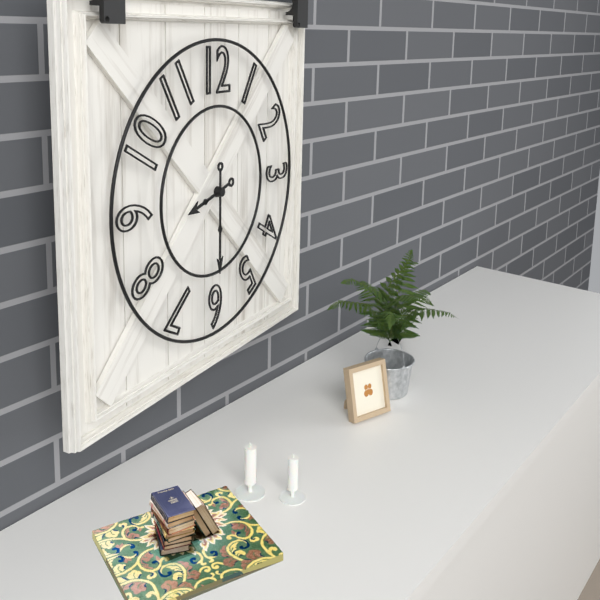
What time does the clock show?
8:30
